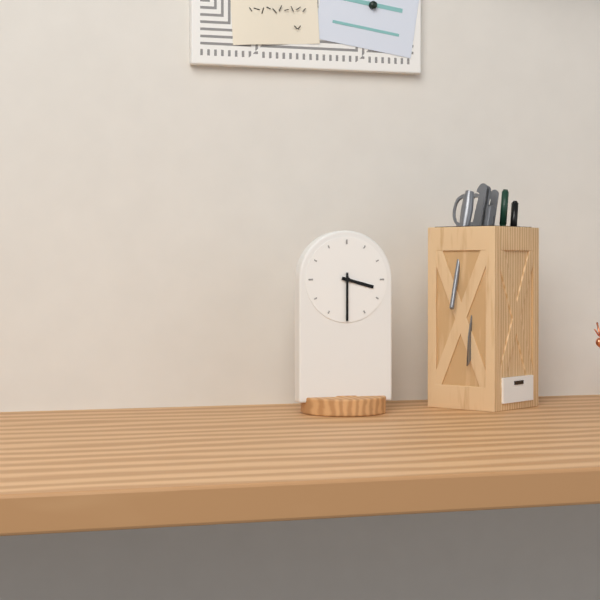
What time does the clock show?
3:30
